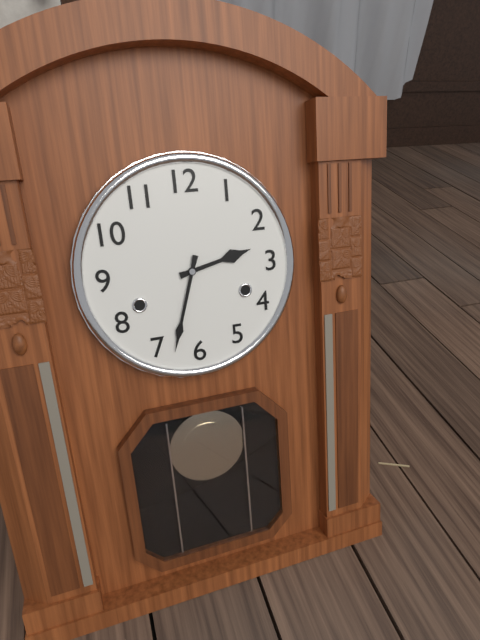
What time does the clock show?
2:33
